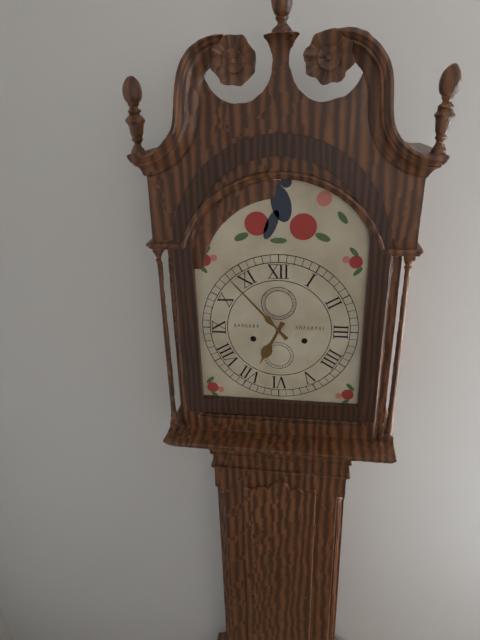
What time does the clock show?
6:53
